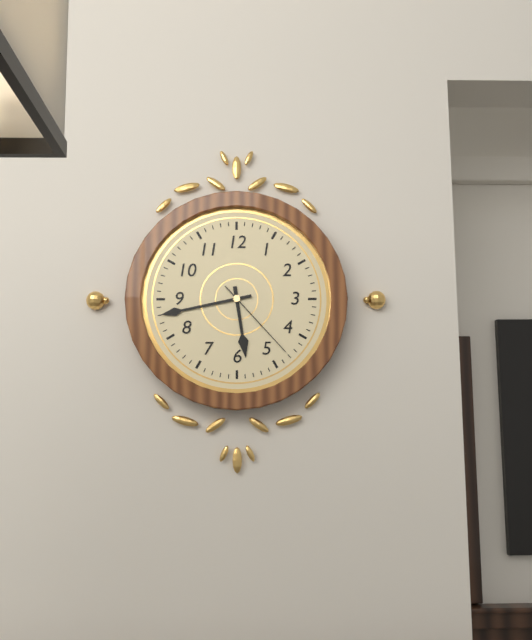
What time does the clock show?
5:43:23
